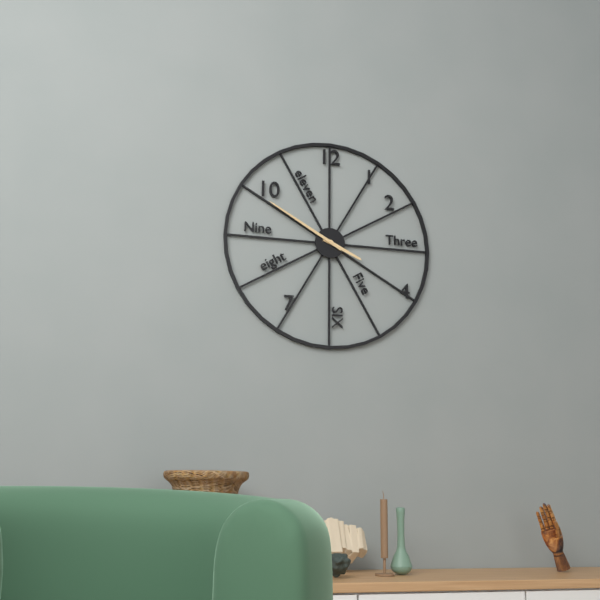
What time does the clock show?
3:50
